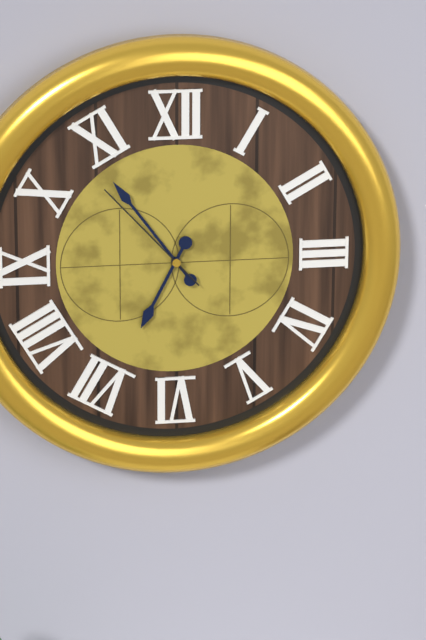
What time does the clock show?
6:54:53
